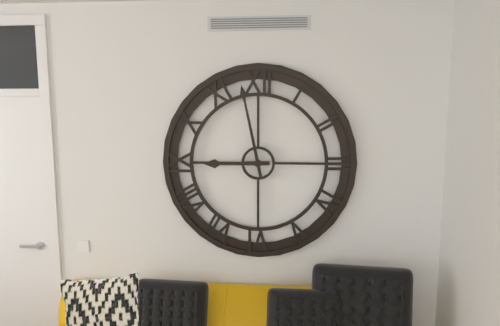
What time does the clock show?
8:58
